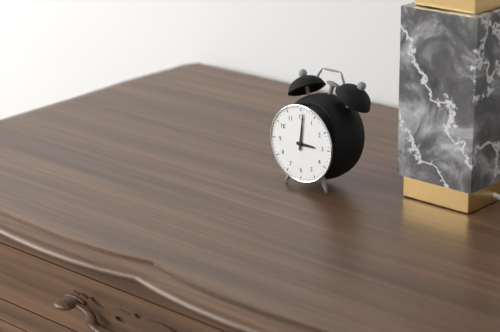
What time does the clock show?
3:01
